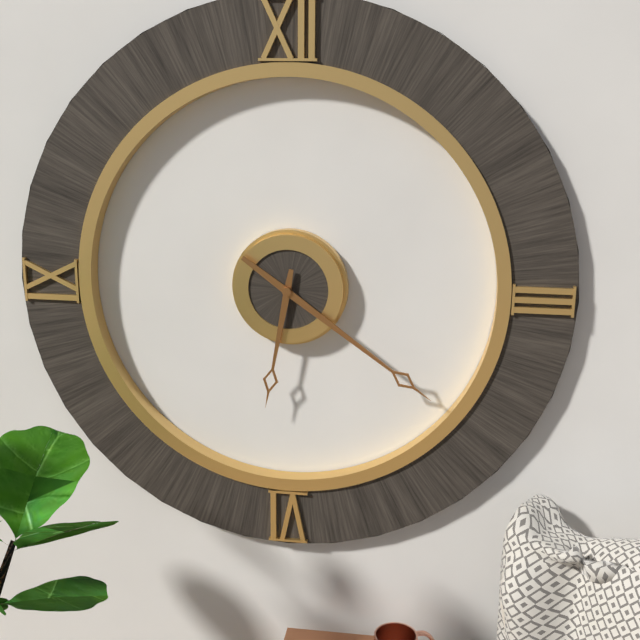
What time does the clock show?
6:21
